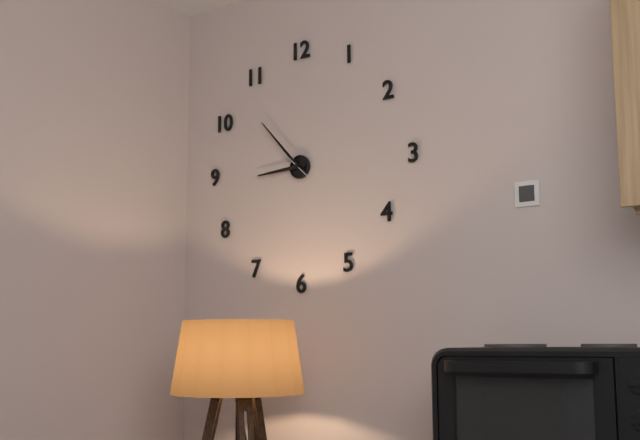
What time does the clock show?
8:53:52
